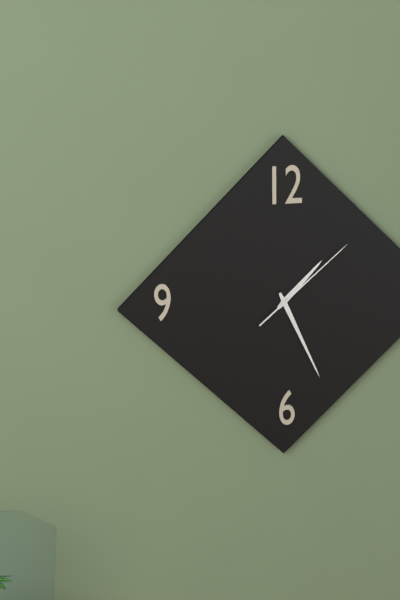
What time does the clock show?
1:26:08
